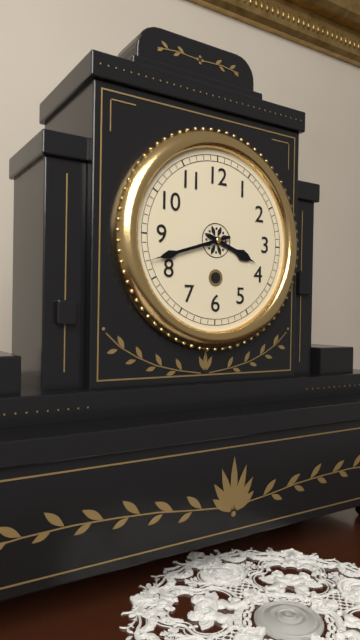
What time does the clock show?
3:42
